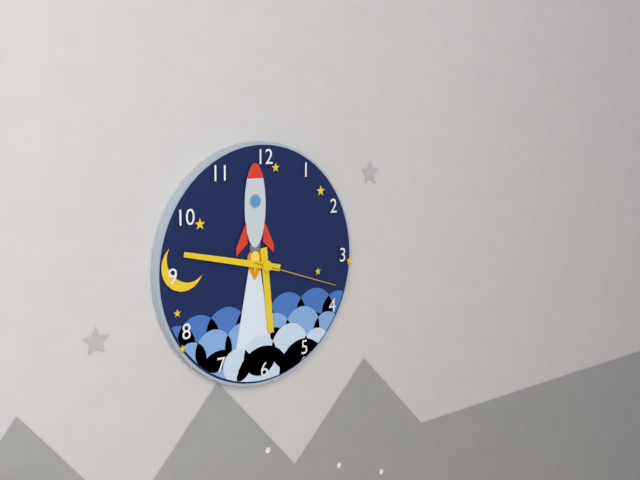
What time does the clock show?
5:47:18
